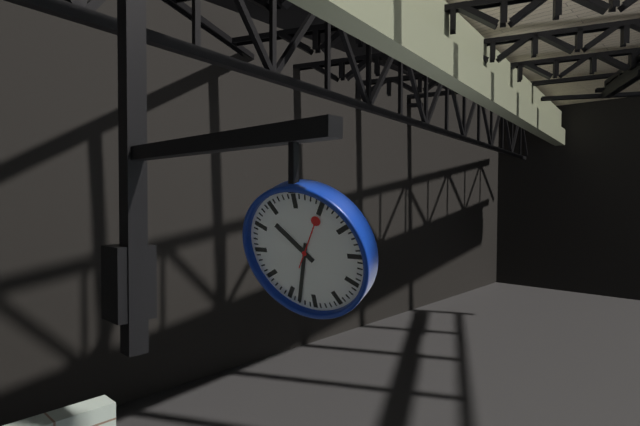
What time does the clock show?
10:33:05
